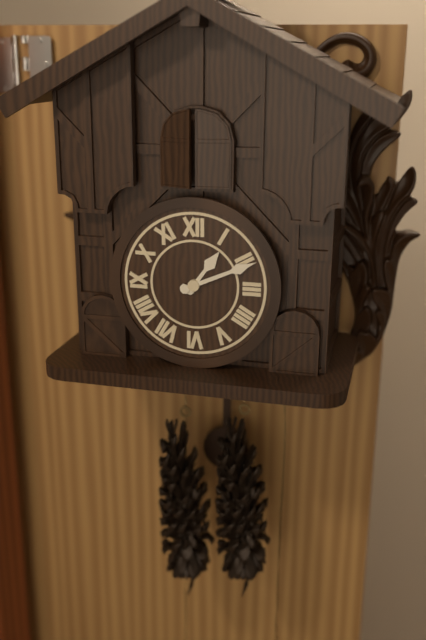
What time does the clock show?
1:11
